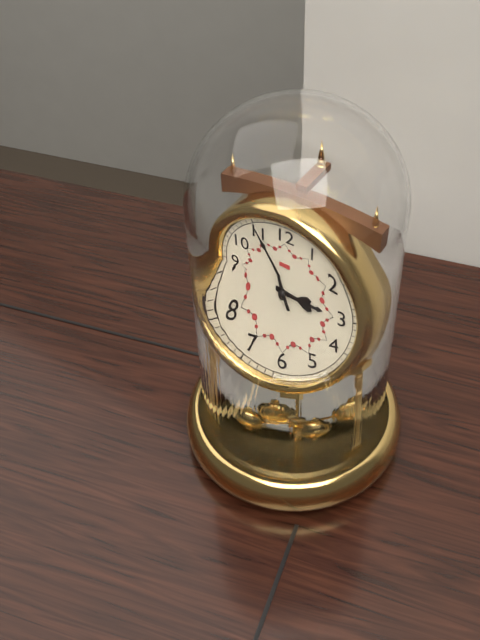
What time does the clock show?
2:55
